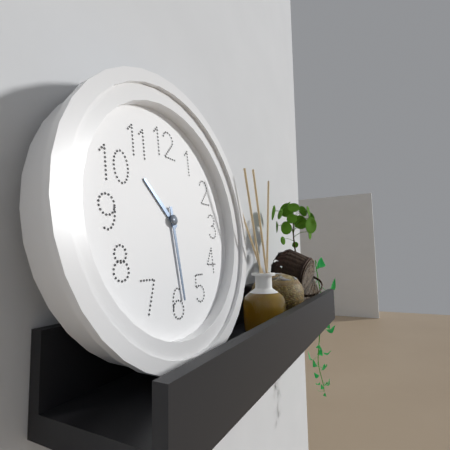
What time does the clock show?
10:29
